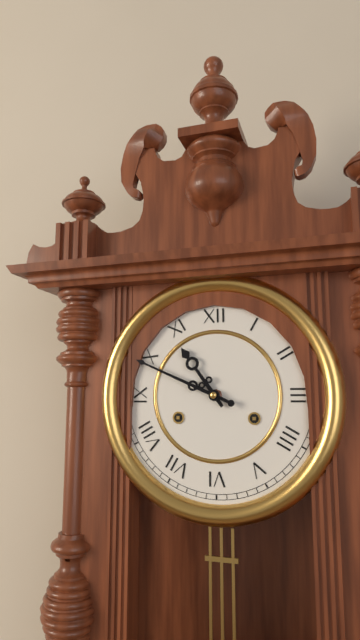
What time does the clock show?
10:49
